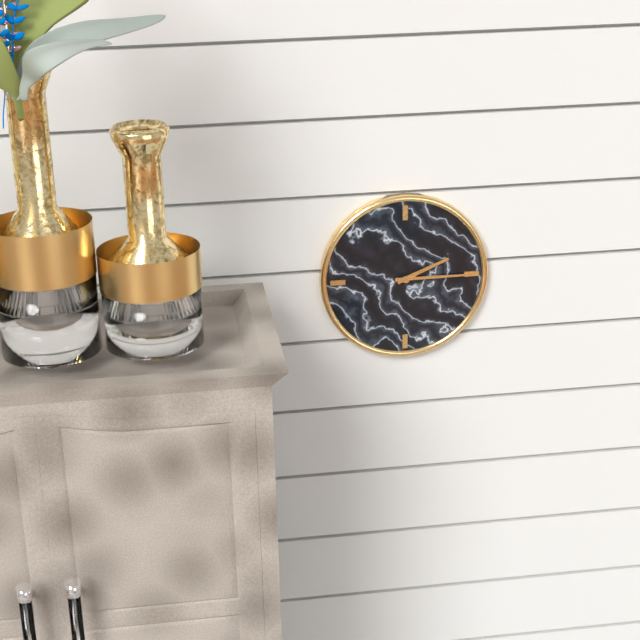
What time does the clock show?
2:15
